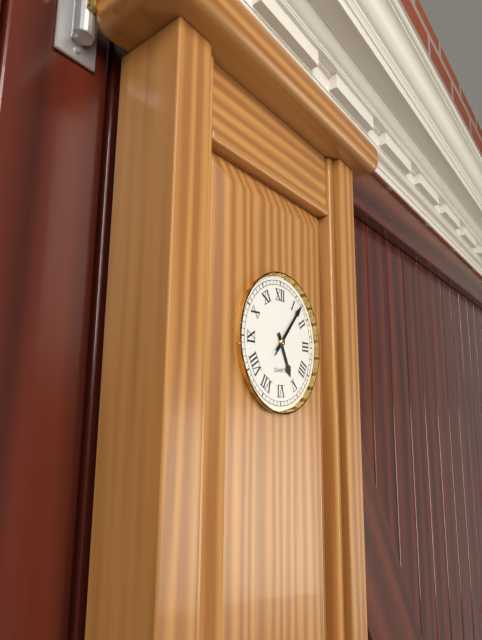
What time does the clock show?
5:07:07
